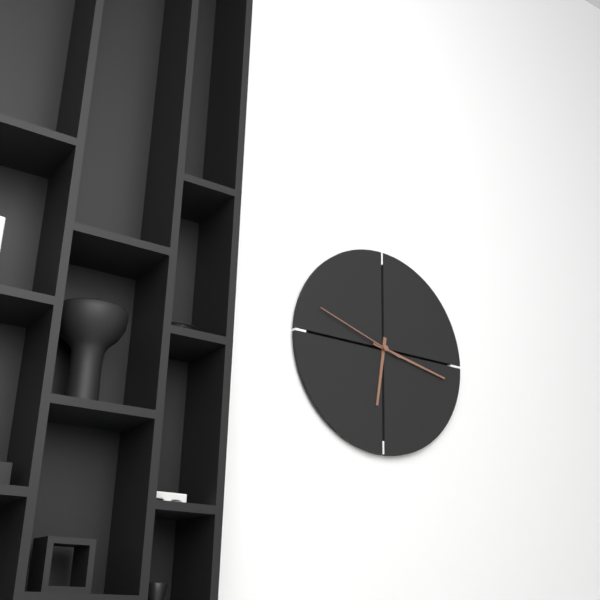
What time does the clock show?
6:17:48
